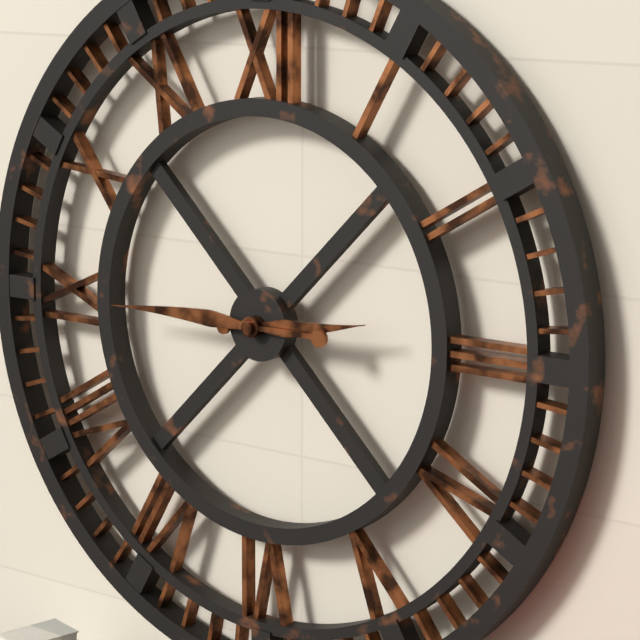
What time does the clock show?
2:45
